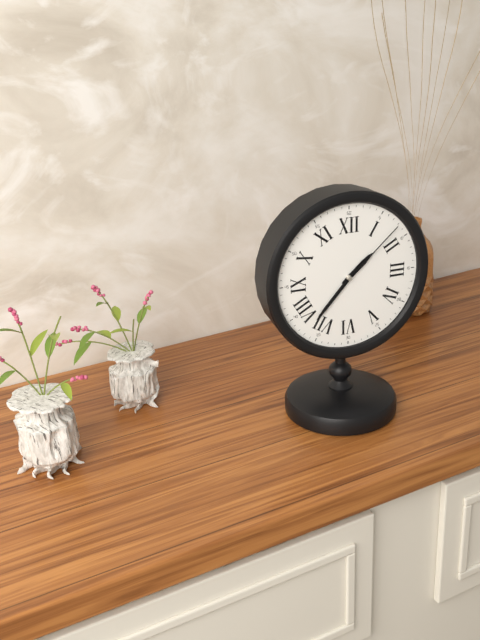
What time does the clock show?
1:37:08
